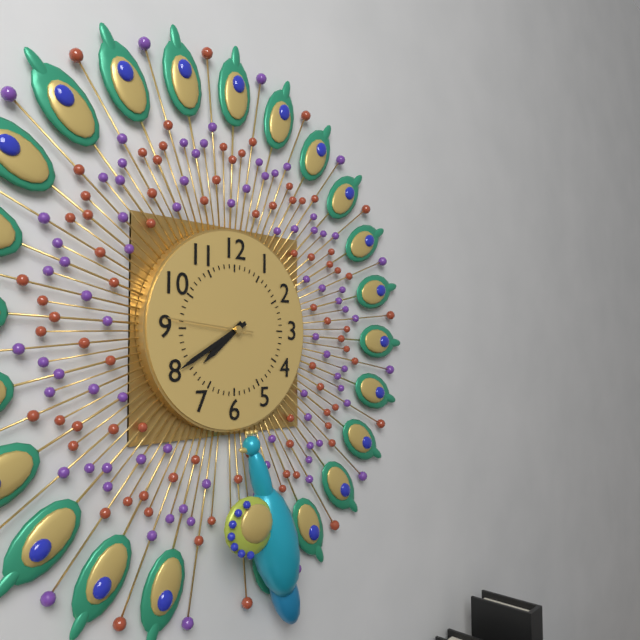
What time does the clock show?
7:40:46
